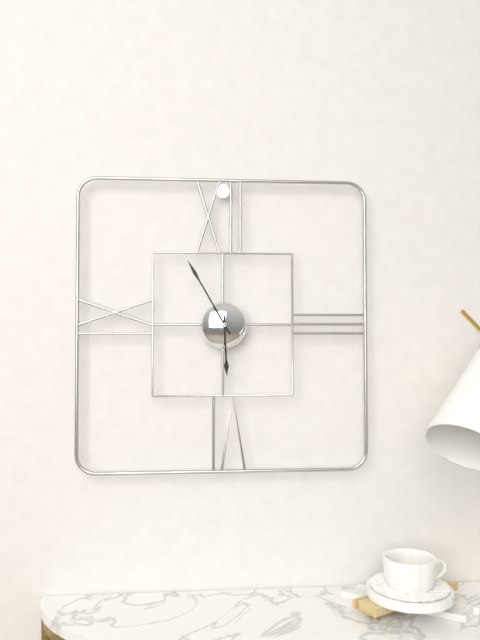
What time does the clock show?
5:55
